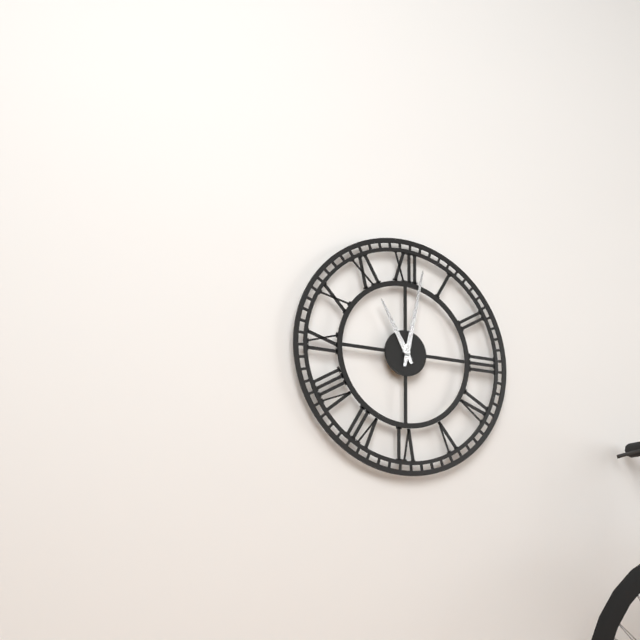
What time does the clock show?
11:02
